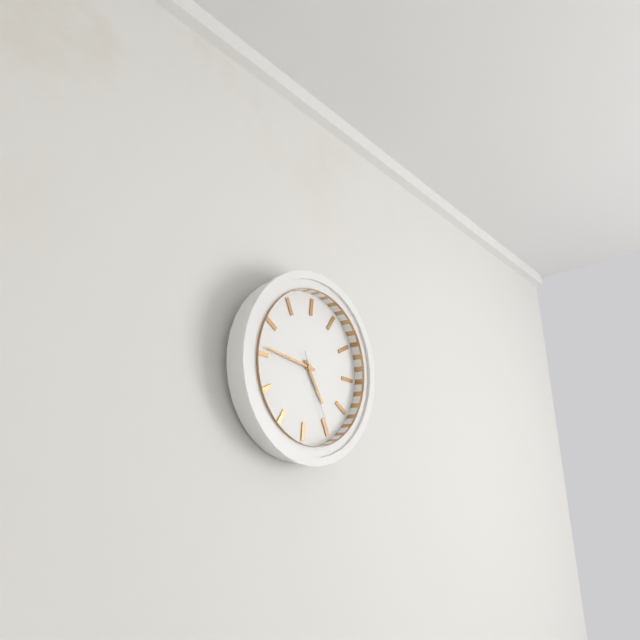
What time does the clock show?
4:46:25
